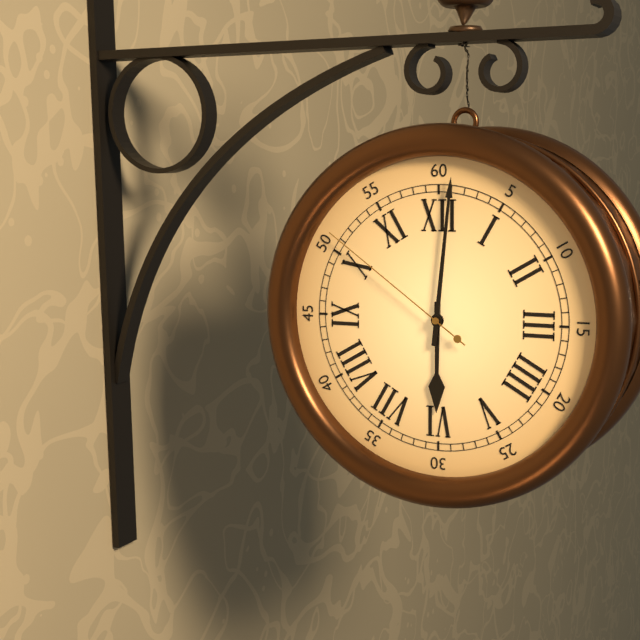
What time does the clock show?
6:01:51
